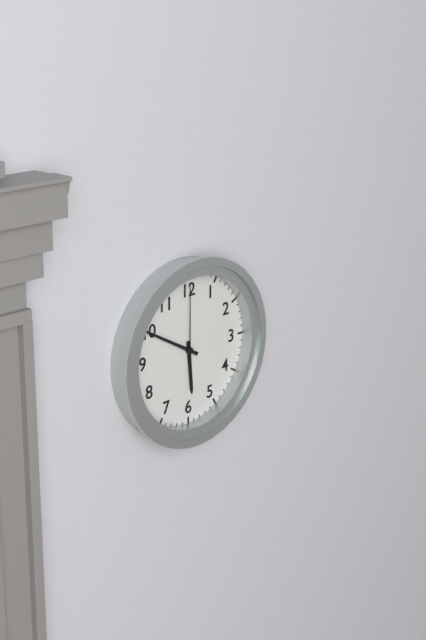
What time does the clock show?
5:50:00
